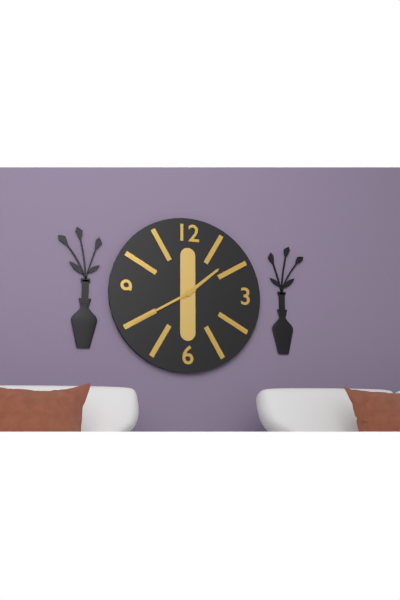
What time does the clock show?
1:40
